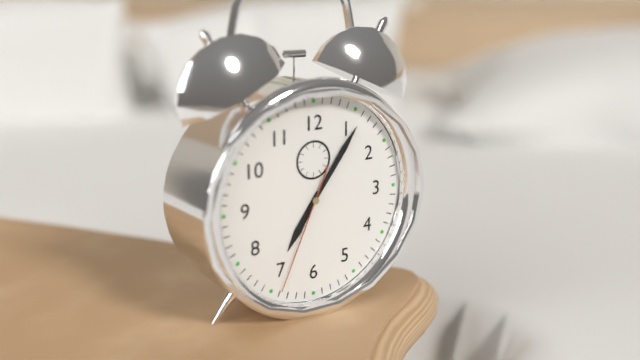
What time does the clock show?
7:06:34
